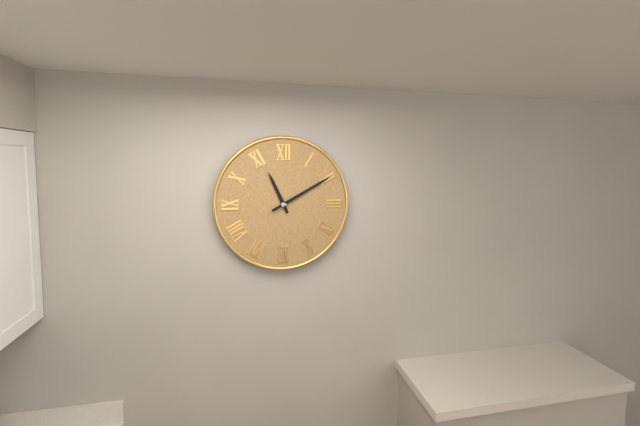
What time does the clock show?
11:10
